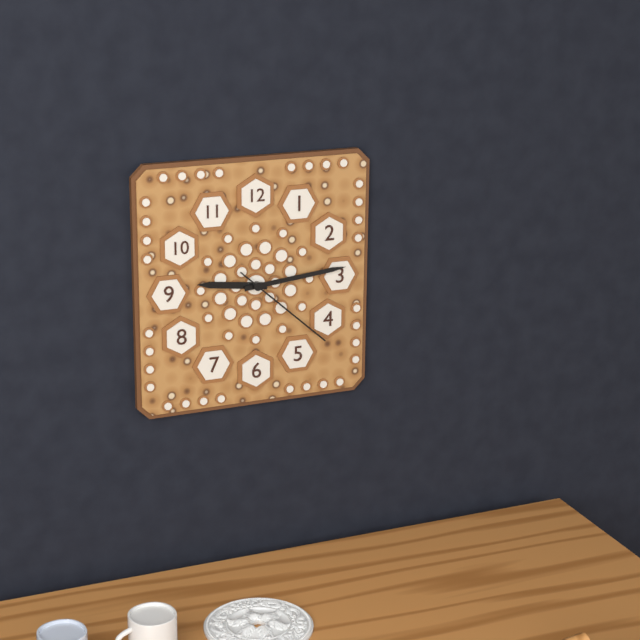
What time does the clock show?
9:14:22
